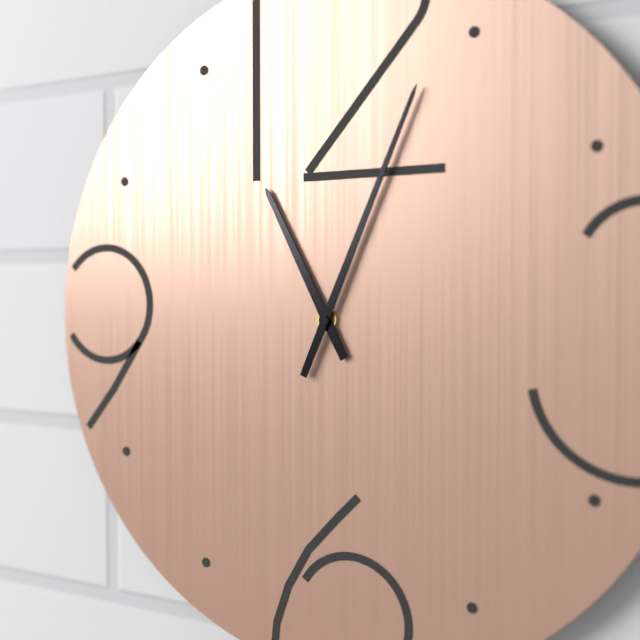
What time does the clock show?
11:04
